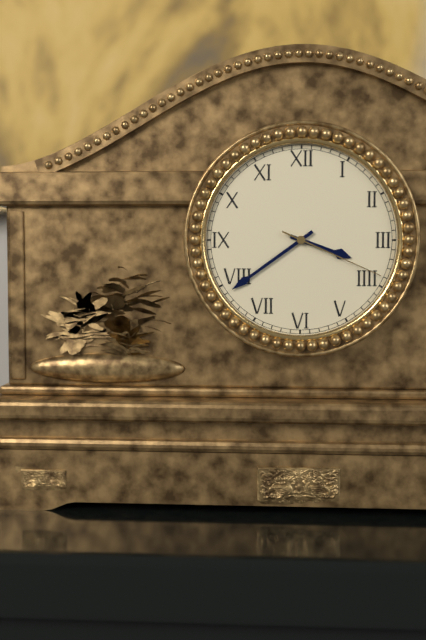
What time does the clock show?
3:39:19
